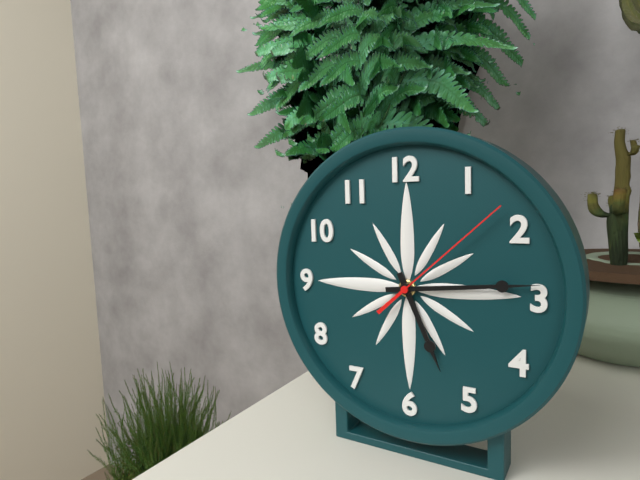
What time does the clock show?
5:14:08
